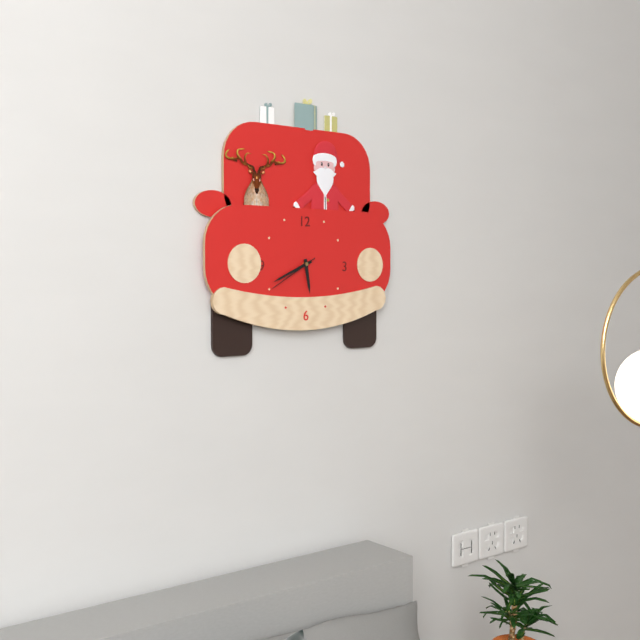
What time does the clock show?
5:41:40
